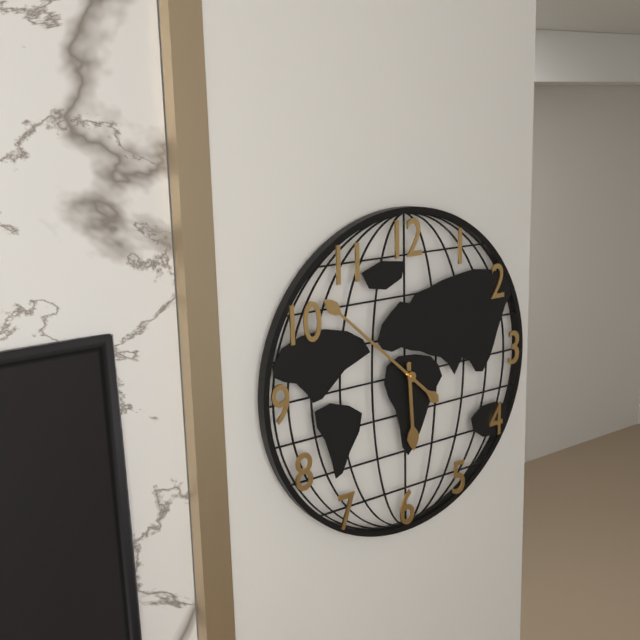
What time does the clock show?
5:52
